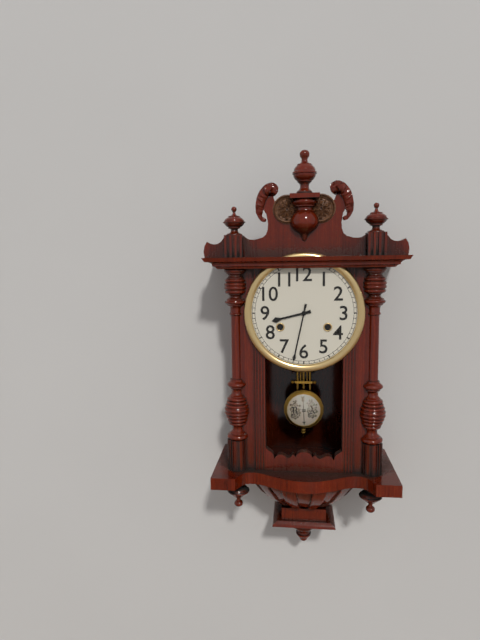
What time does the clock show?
8:32
